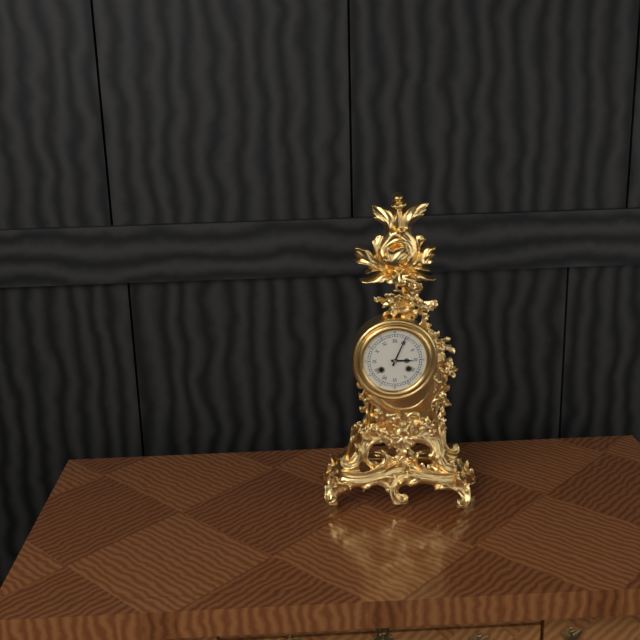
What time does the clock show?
3:04
